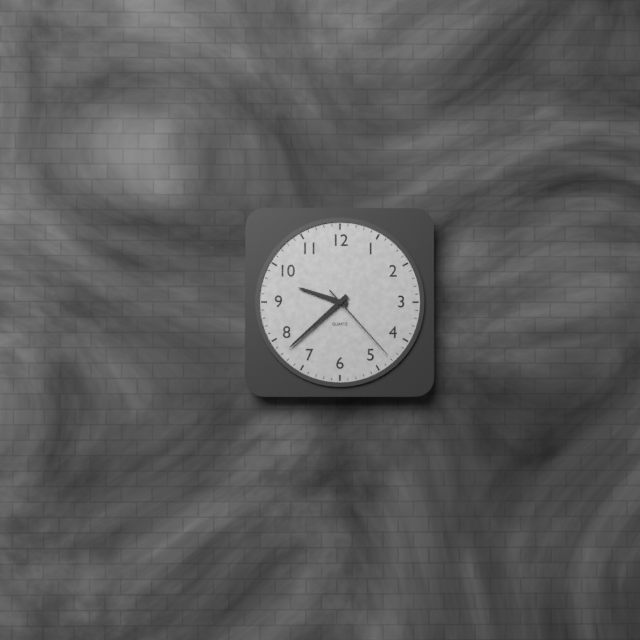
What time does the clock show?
9:38:23
